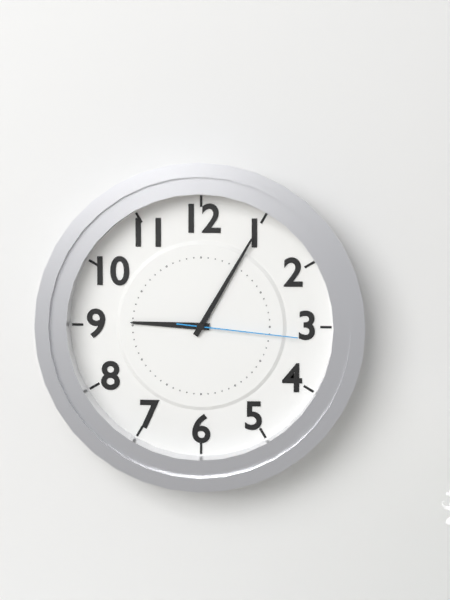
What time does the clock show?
9:05:16
